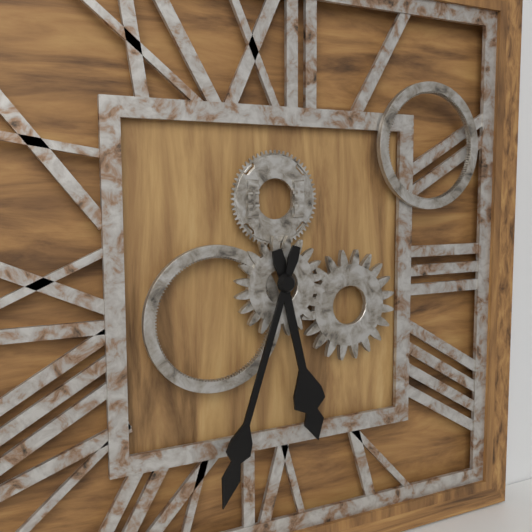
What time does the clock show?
5:33
